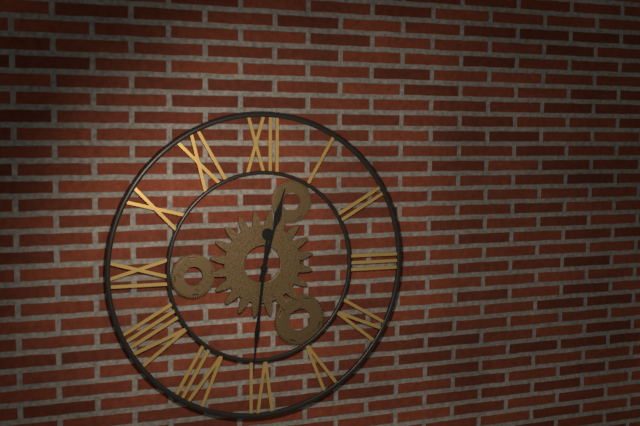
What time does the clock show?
12:31
